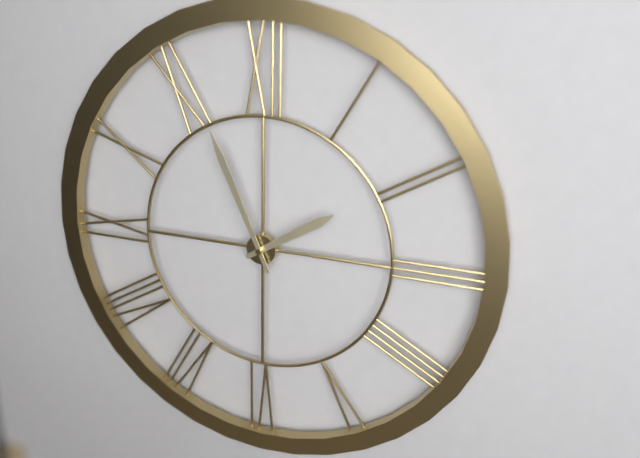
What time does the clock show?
1:56
